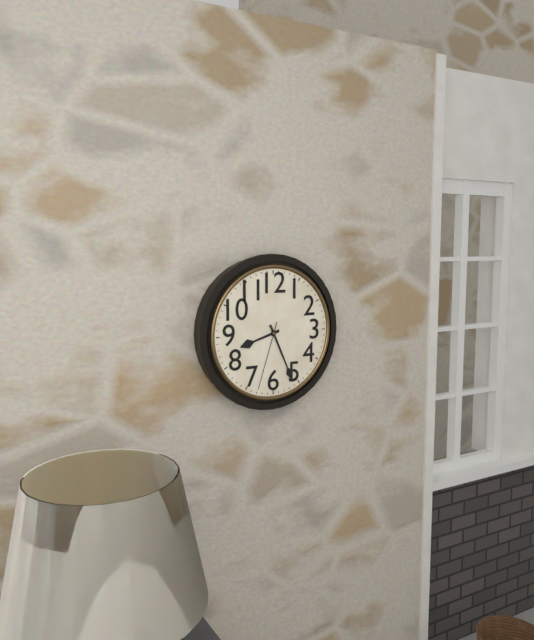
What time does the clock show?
8:26:33
